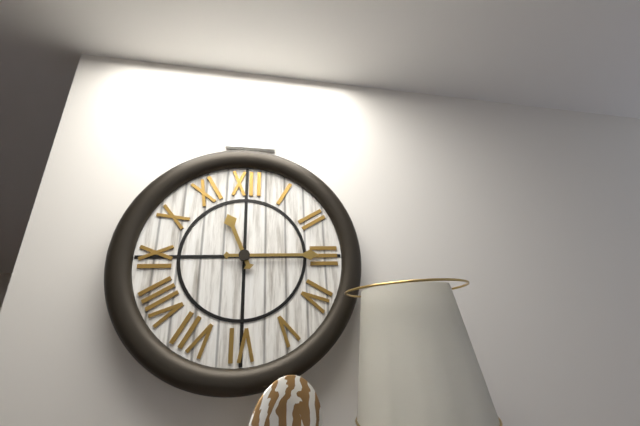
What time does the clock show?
11:15
